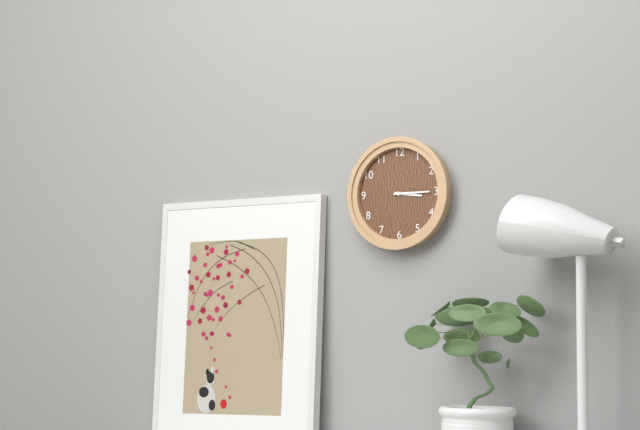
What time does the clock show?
3:15
